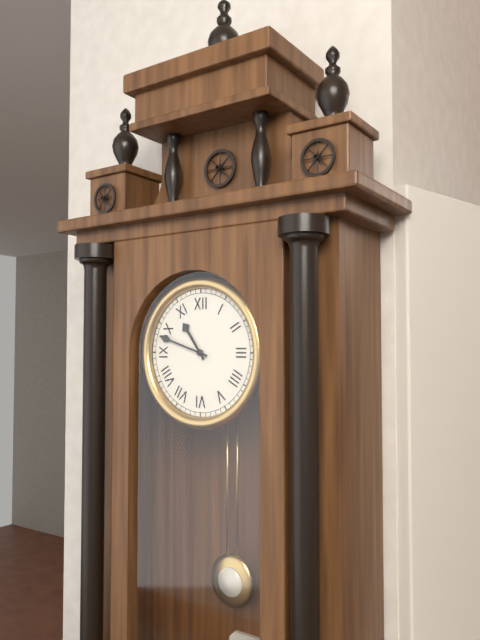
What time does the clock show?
10:48
